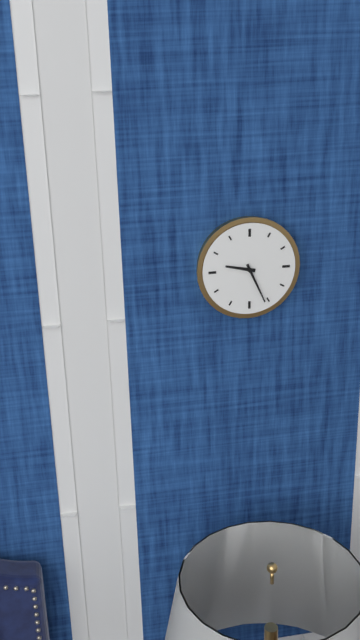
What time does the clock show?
9:26
